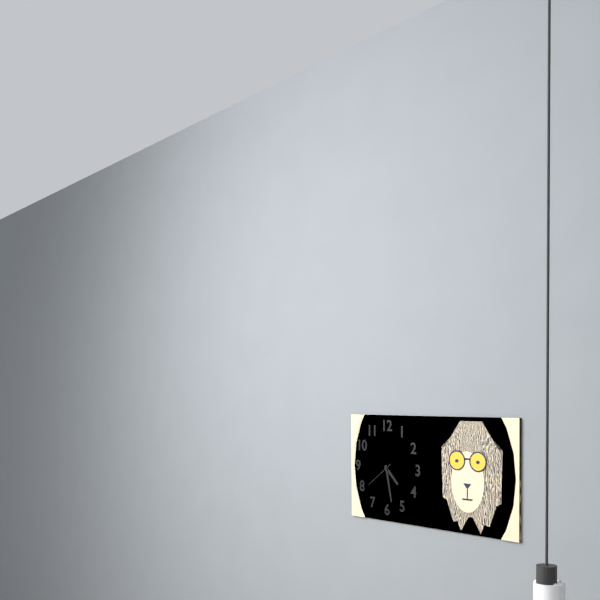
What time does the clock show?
4:28
